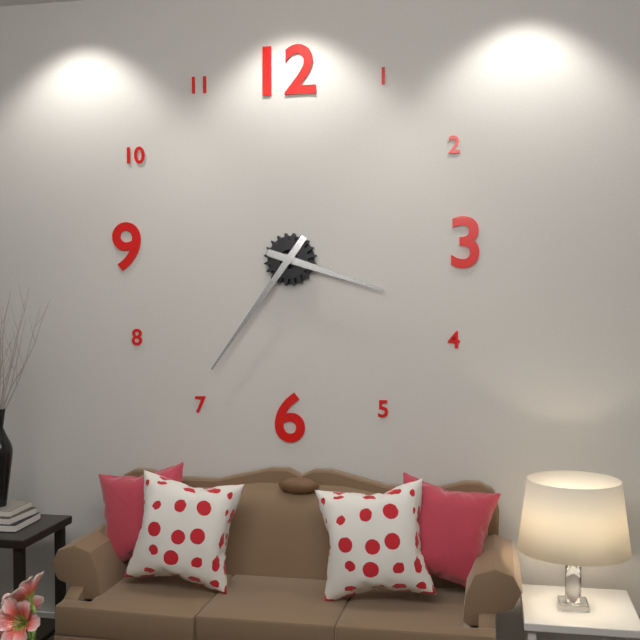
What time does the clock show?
3:36
